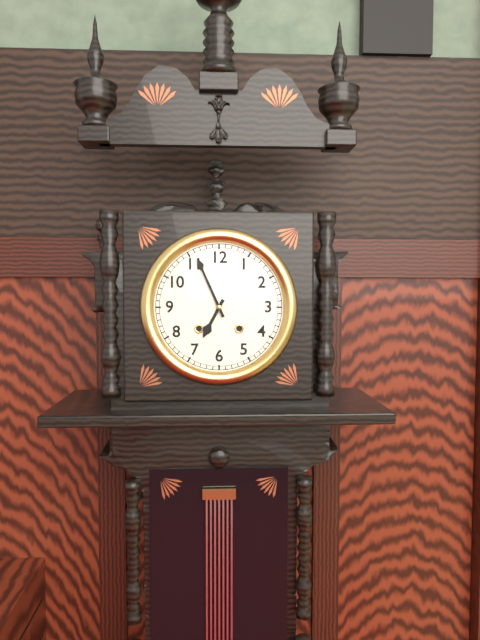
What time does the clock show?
6:56
